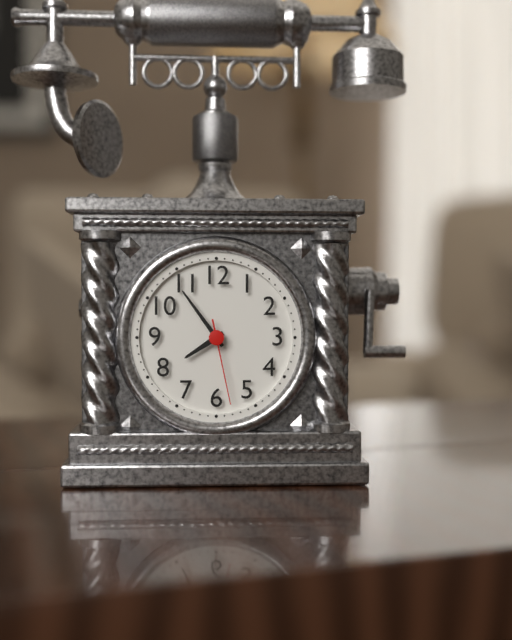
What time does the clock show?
7:54:28
